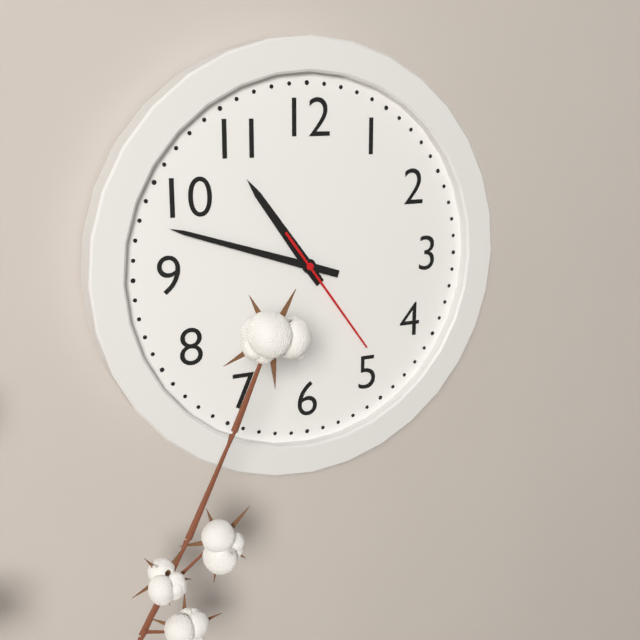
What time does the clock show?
10:48:24
